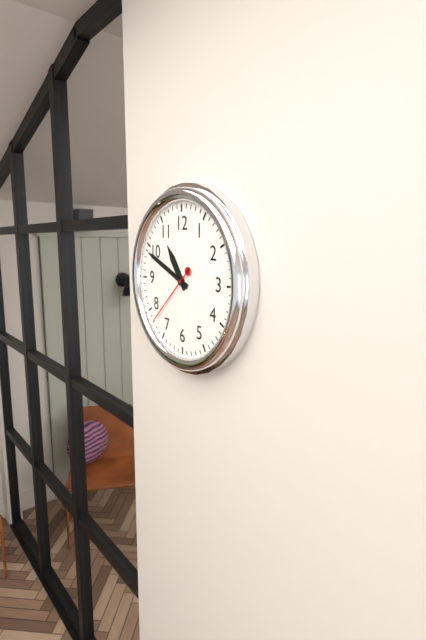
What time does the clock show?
10:49:38
